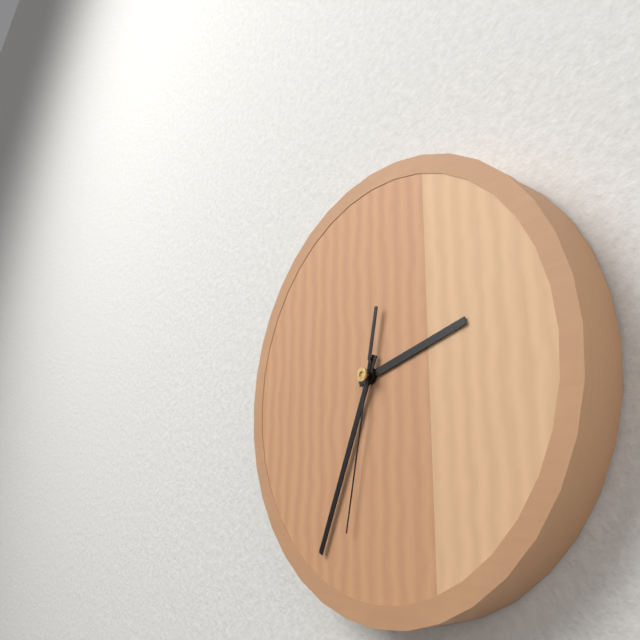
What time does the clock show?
2:34:32
